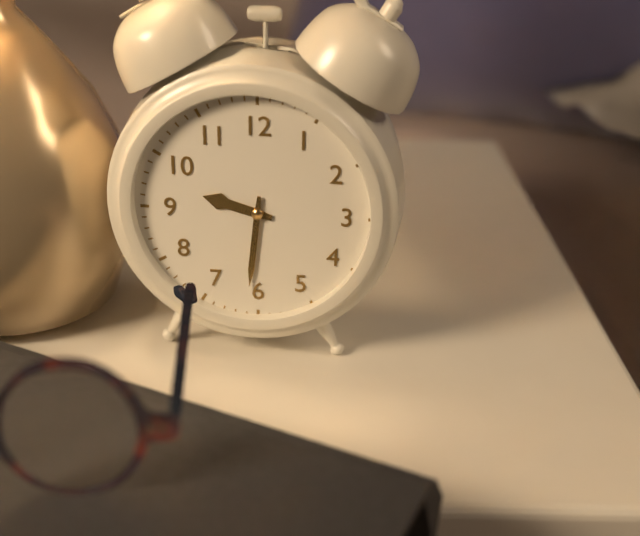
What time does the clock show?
9:31
